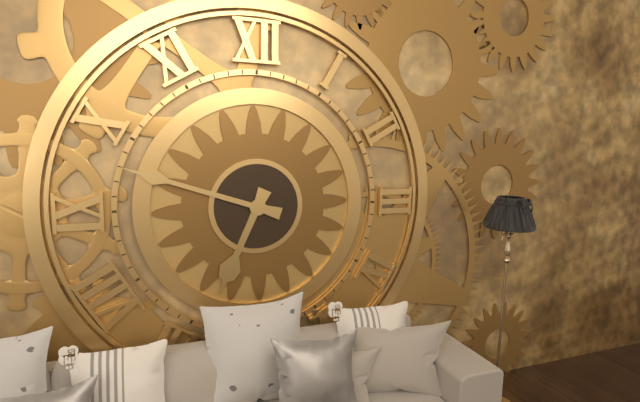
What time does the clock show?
6:48
